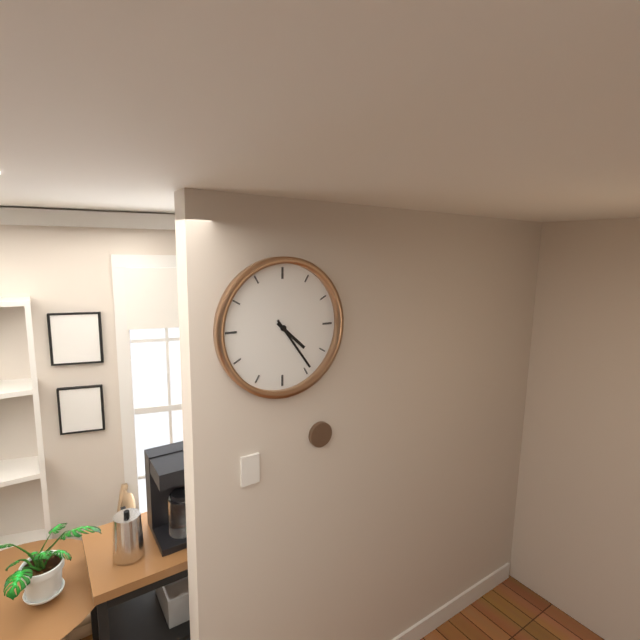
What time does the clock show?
4:24
